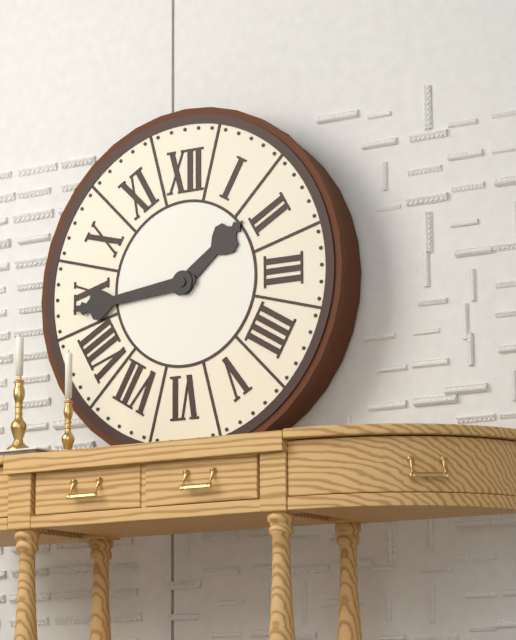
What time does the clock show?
1:44
